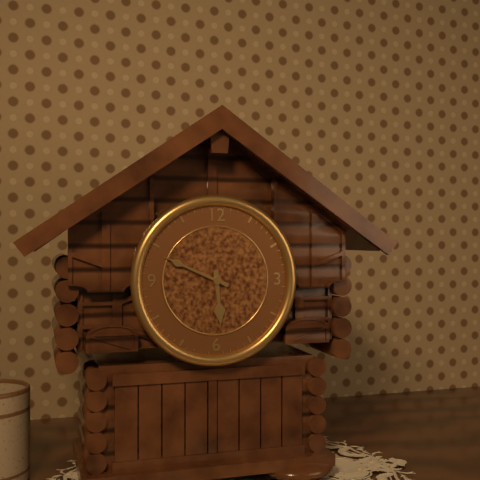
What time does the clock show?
5:49
